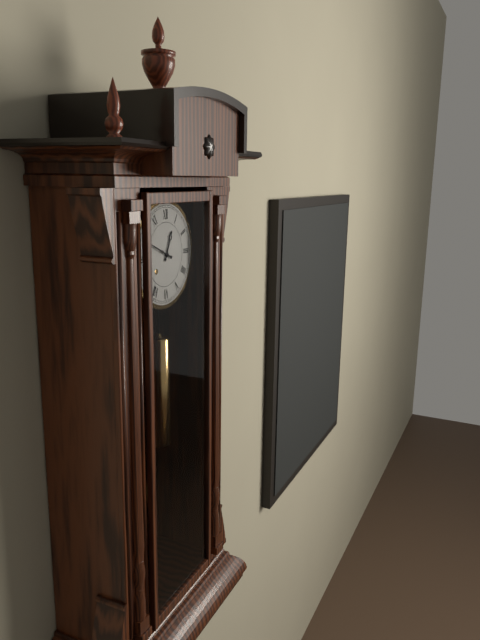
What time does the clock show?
12:49
